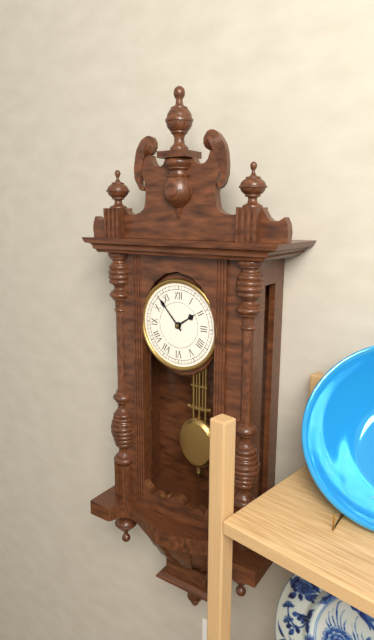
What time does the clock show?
1:53
